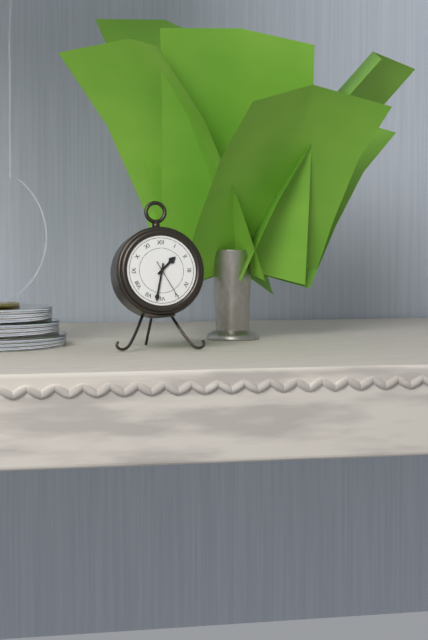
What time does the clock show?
1:32
